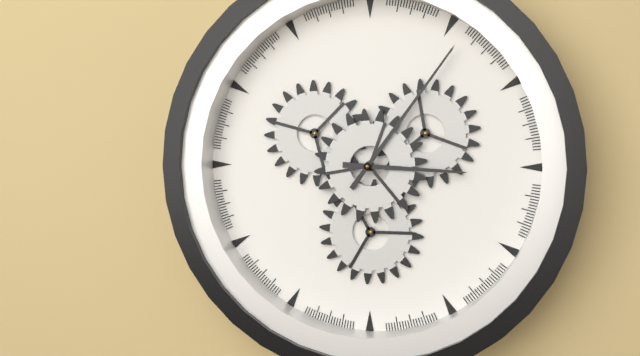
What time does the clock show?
3:06
